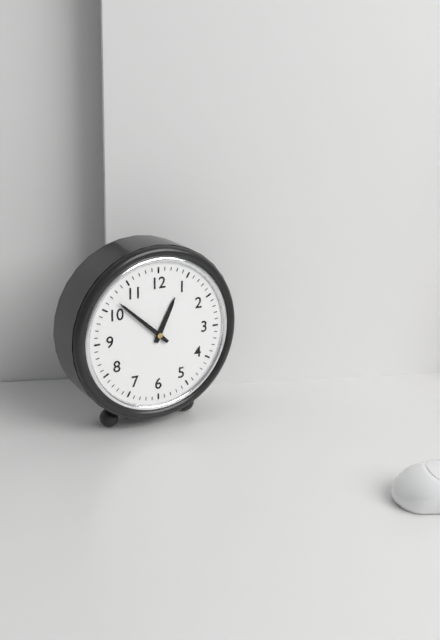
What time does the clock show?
12:52
